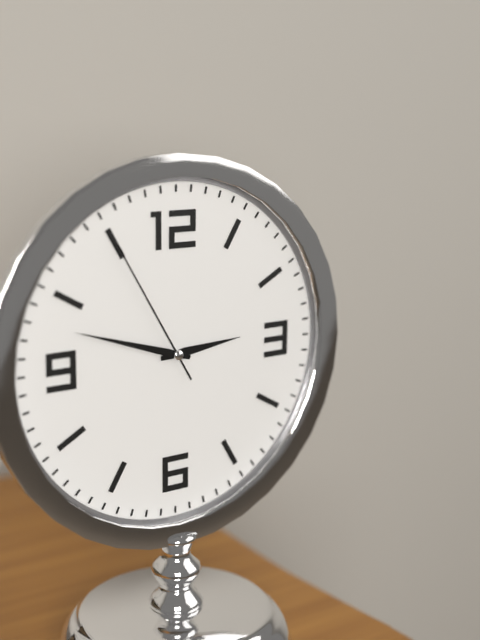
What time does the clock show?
2:48:55
